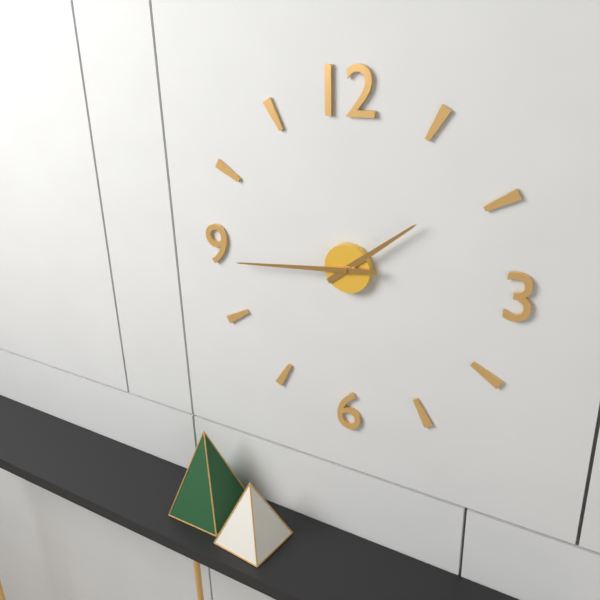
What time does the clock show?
1:44
